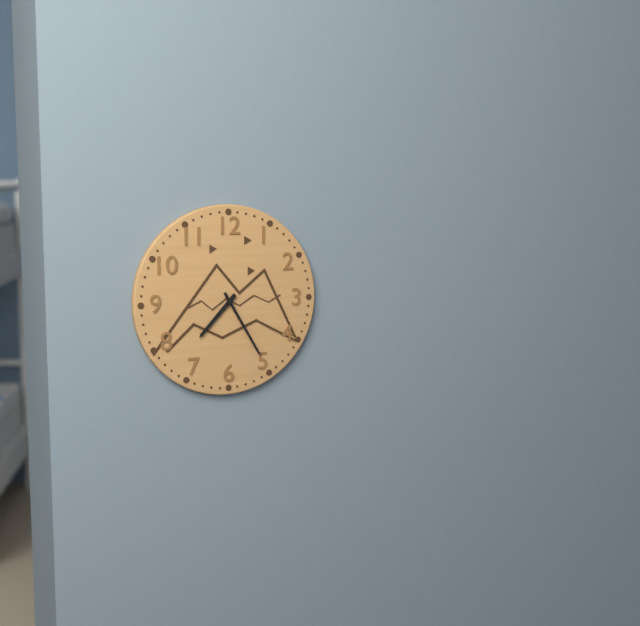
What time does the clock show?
7:25
